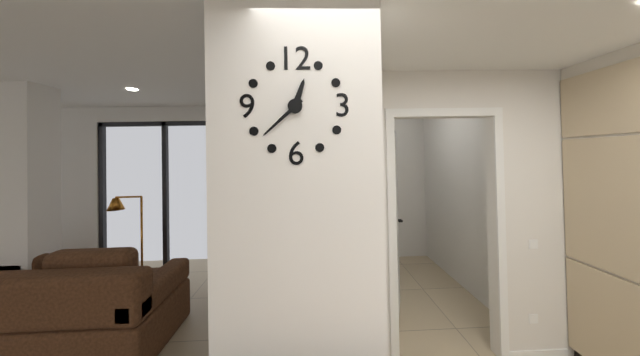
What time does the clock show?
12:38
